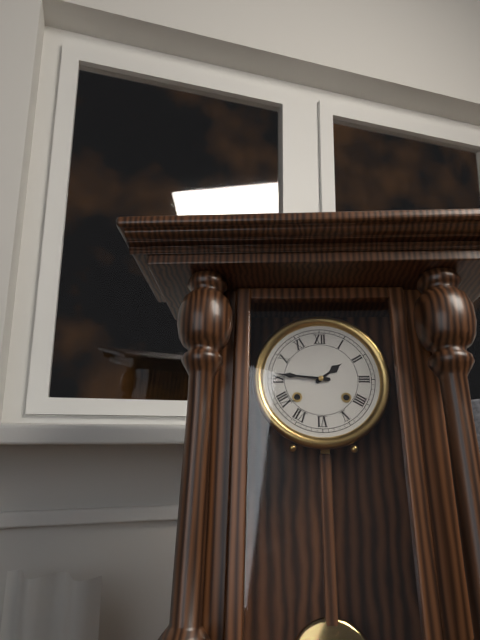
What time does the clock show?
1:46
